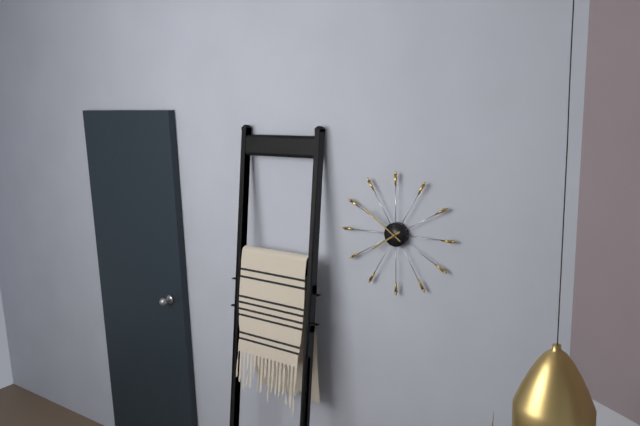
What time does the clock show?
7:51
